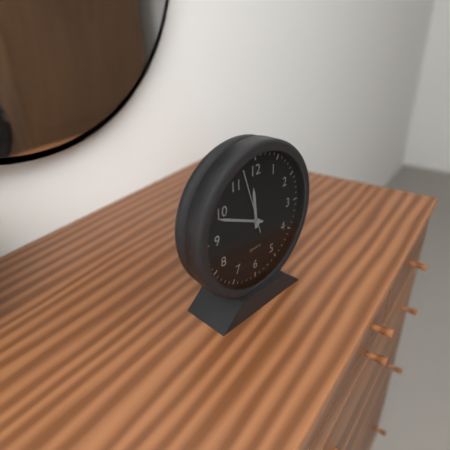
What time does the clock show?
11:49:57
